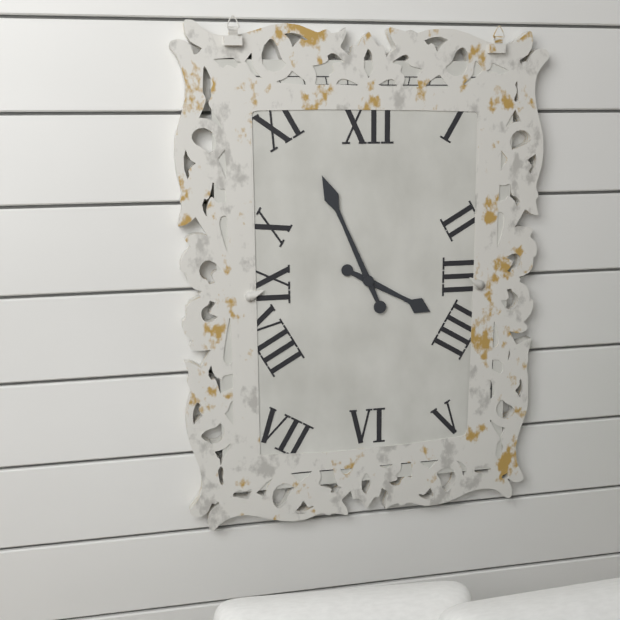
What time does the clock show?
3:56
